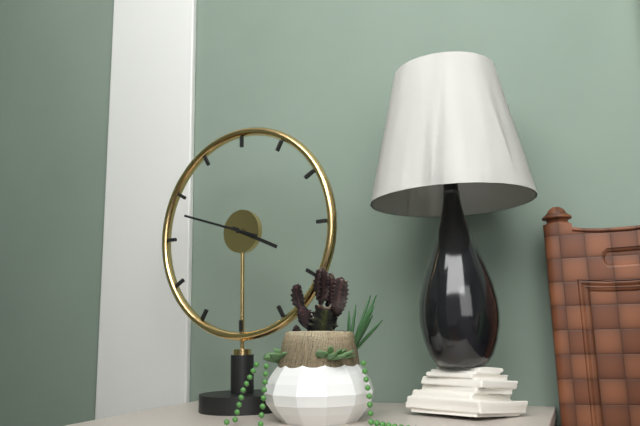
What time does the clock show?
3:48
